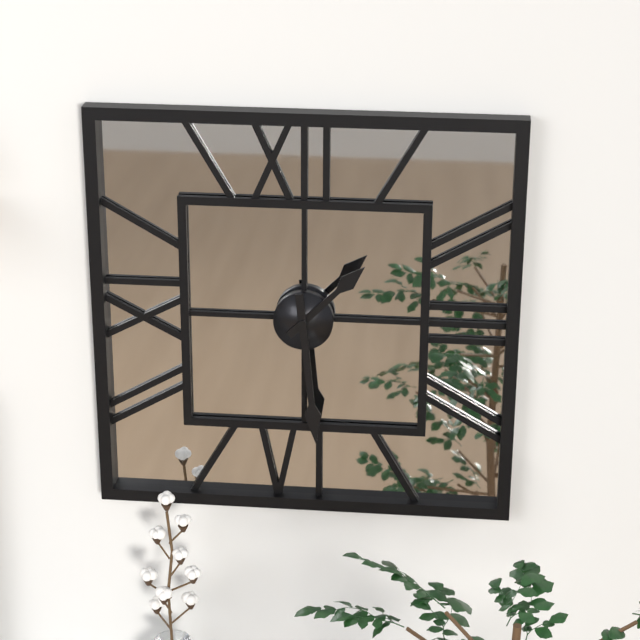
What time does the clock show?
1:29
